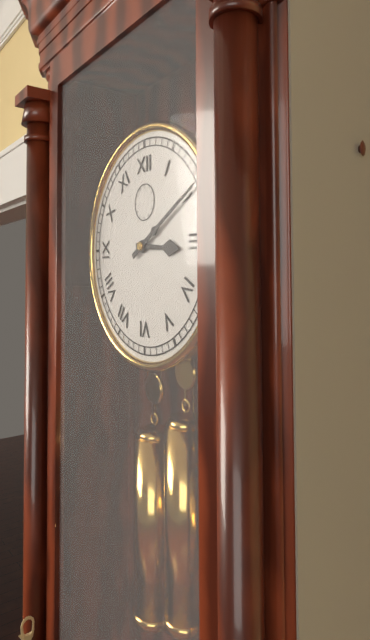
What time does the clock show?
3:10
